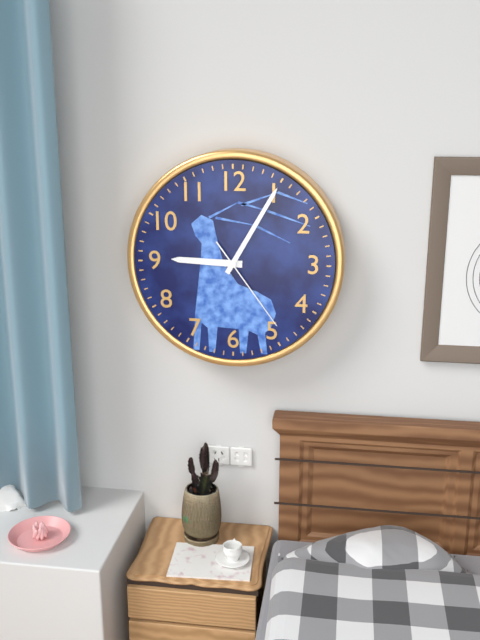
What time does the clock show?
9:05:24
